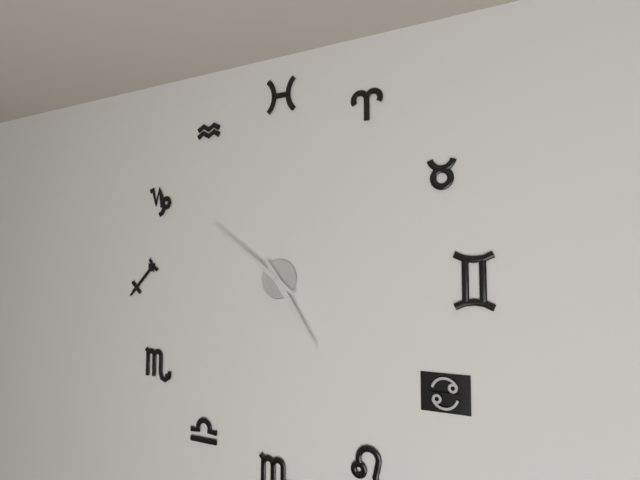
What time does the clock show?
4:51
